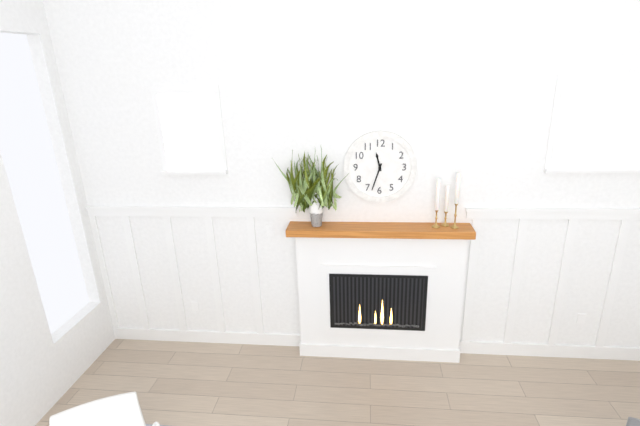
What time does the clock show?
11:33
